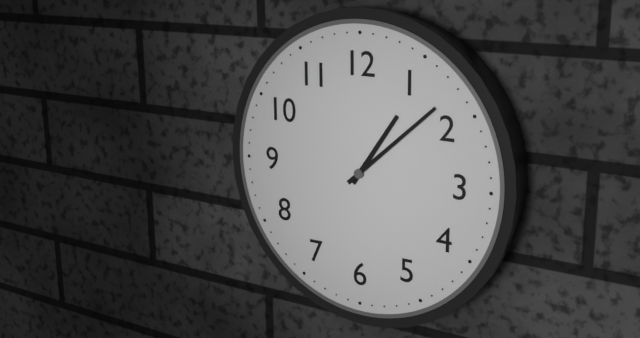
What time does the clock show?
1:08
